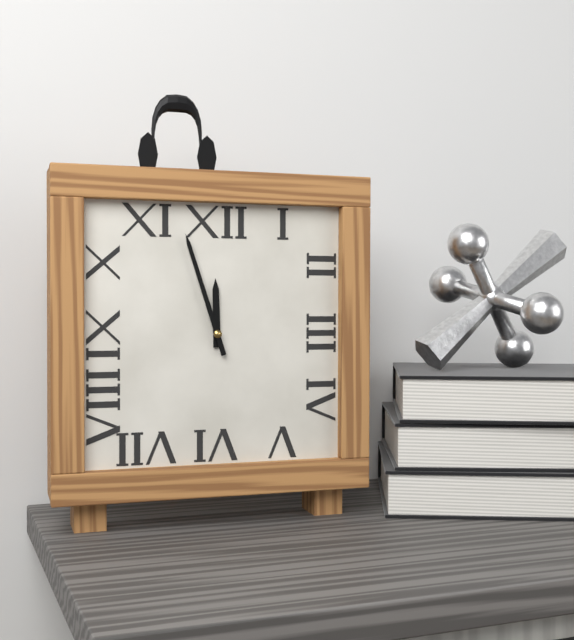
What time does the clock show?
11:57
